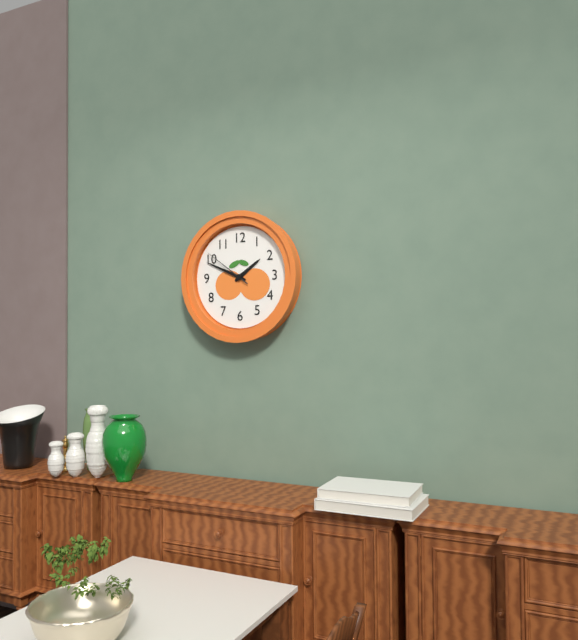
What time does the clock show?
1:49:51
